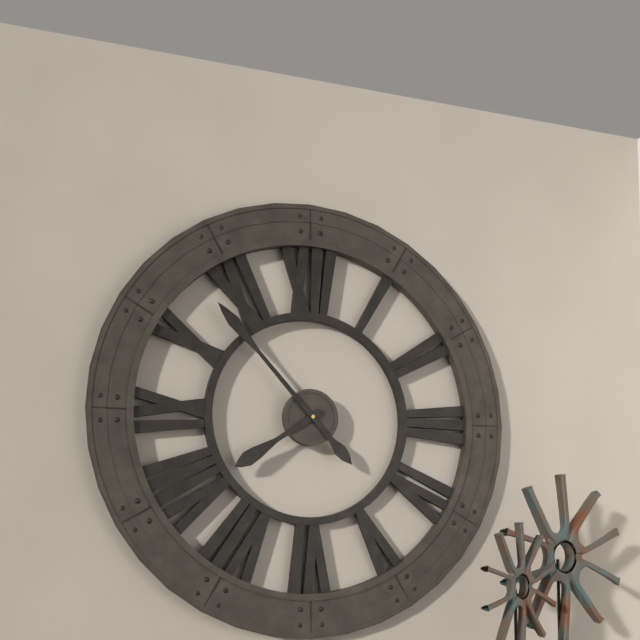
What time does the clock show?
7:53
